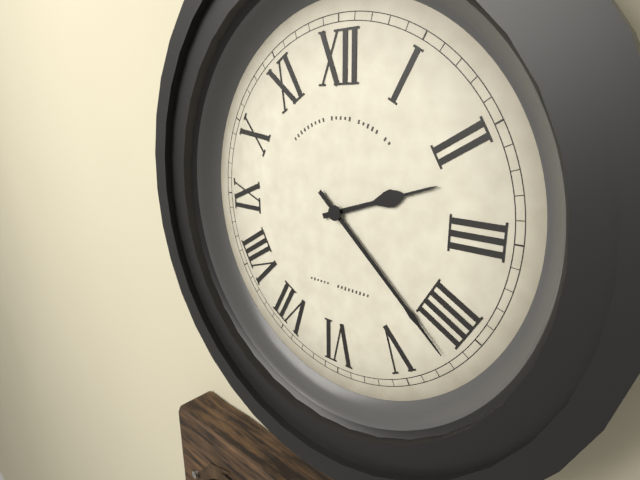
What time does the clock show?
2:22
